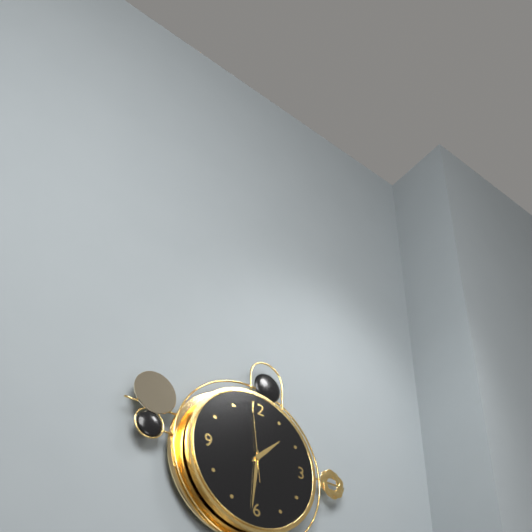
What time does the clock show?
1:31:59
